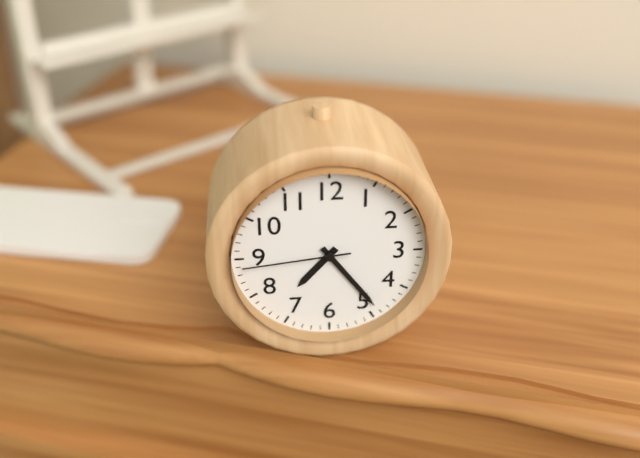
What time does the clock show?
7:24:44
